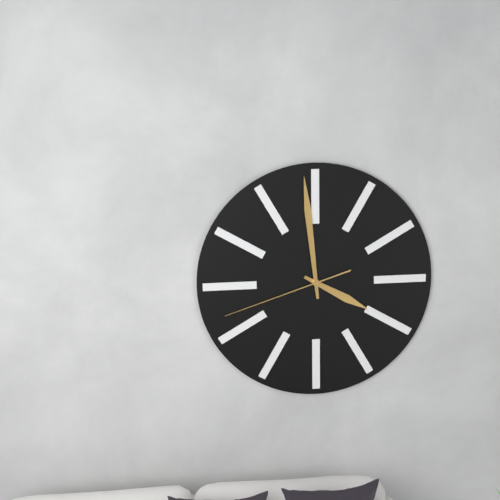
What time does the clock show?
3:59:42
